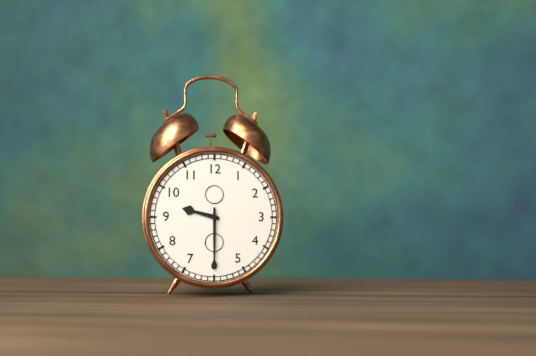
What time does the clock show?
9:30
